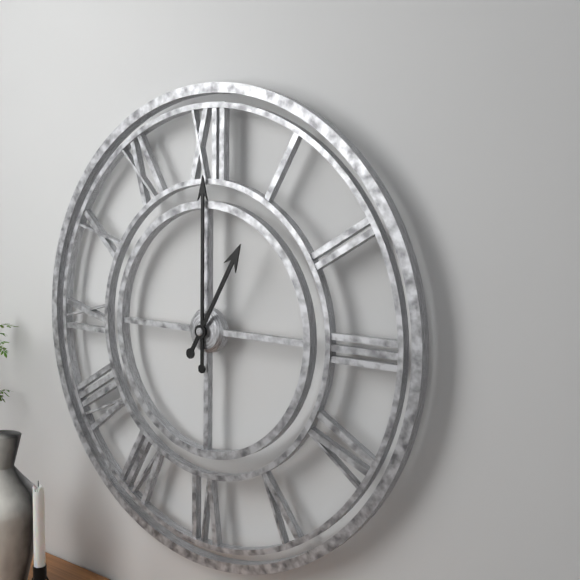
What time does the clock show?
1:00
